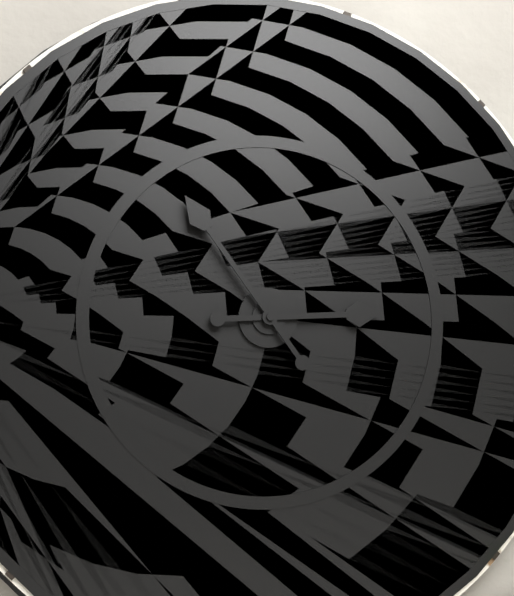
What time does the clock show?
2:54
